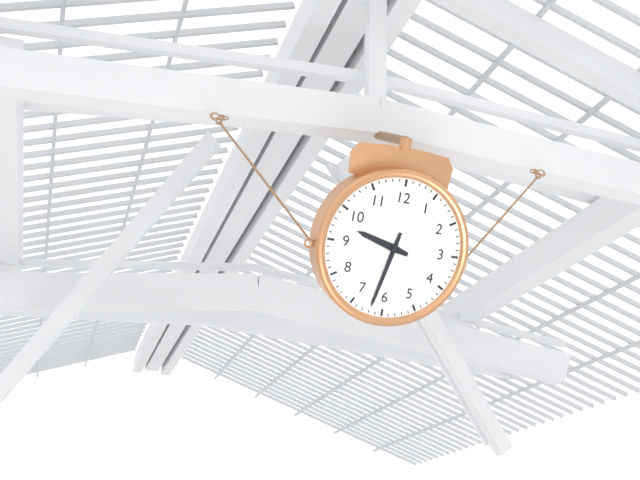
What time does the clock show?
9:32
